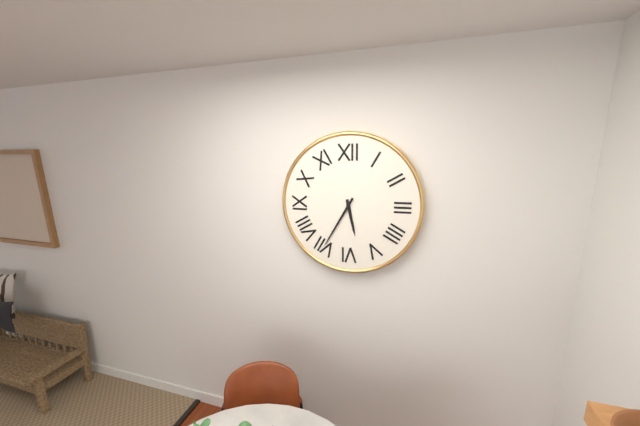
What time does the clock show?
5:35
